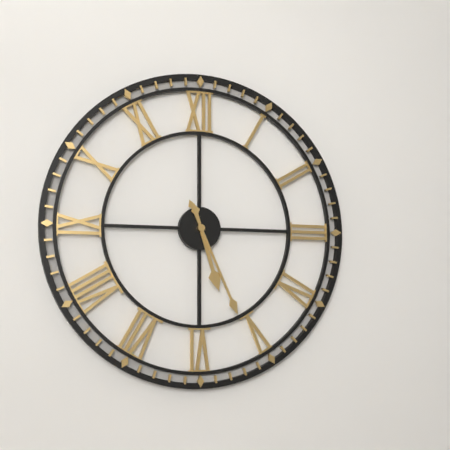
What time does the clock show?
5:26
